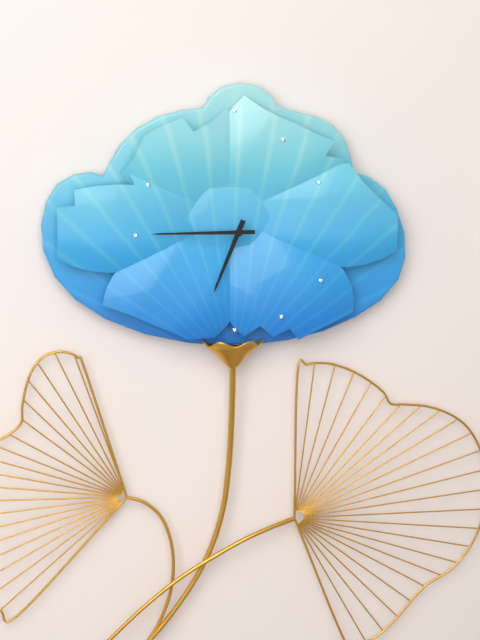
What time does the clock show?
6:45
